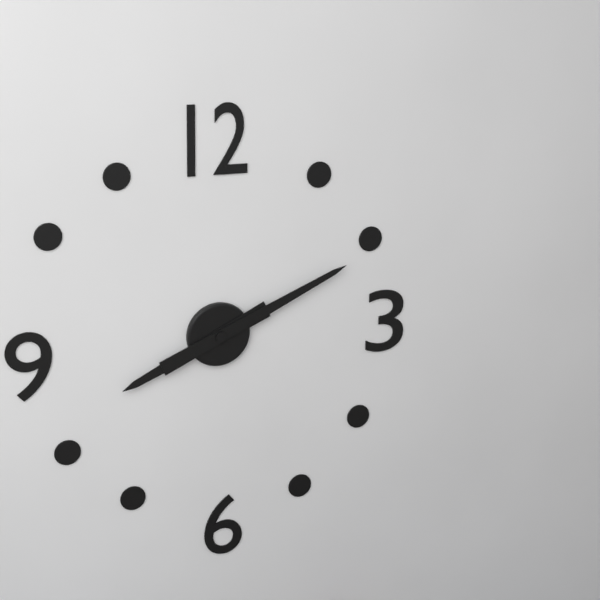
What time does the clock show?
8:11
